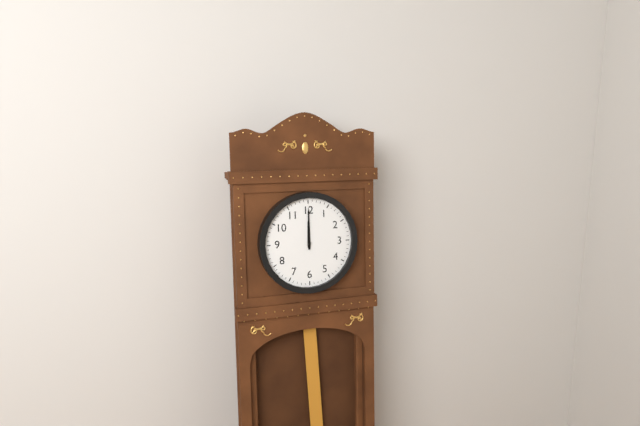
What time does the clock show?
12:00
